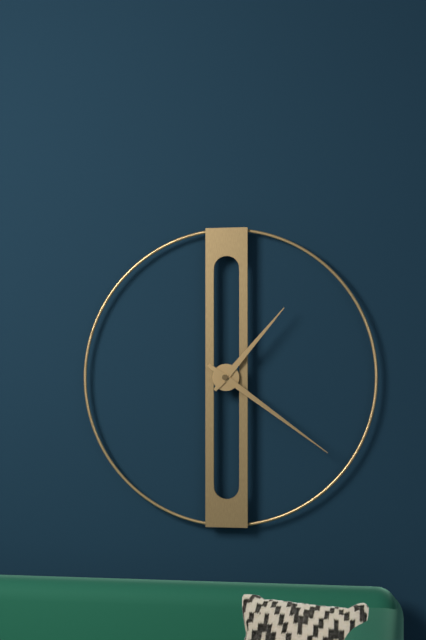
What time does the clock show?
1:21
